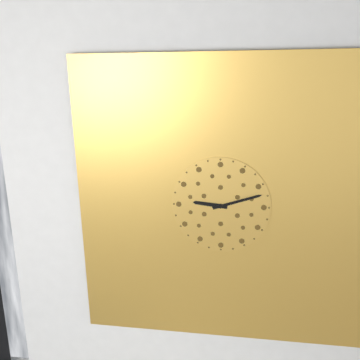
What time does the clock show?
9:12
